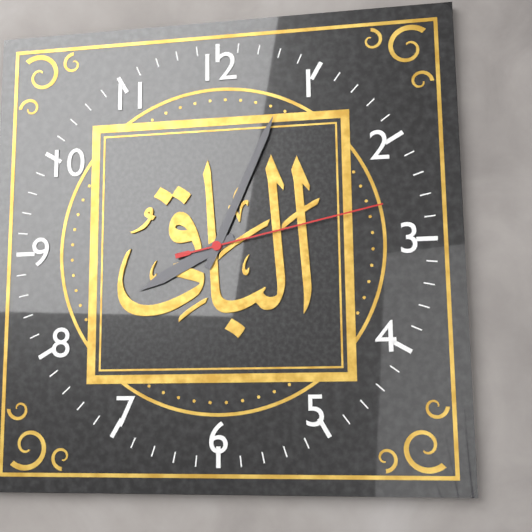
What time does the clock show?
8:04:13
